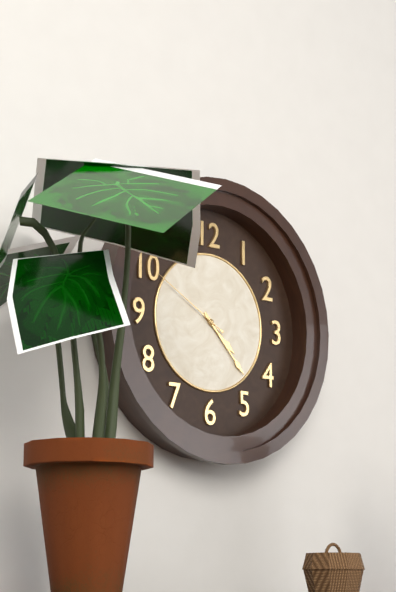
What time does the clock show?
4:23:50
